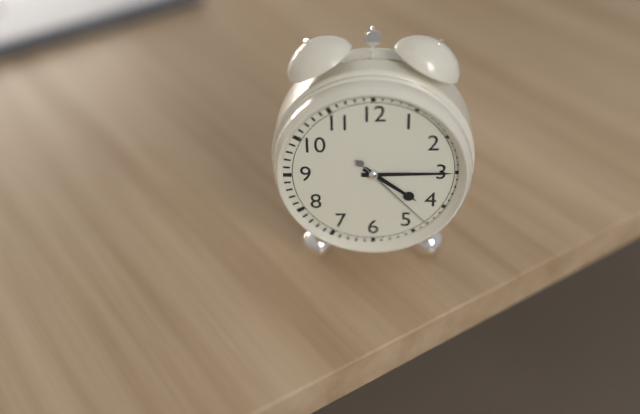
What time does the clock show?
4:15:23
